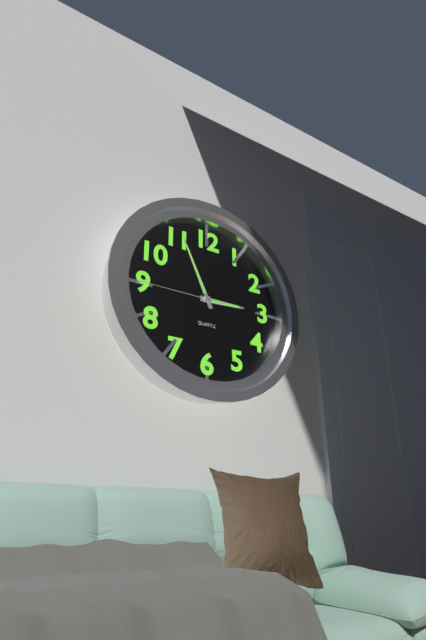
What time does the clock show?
2:56:45
